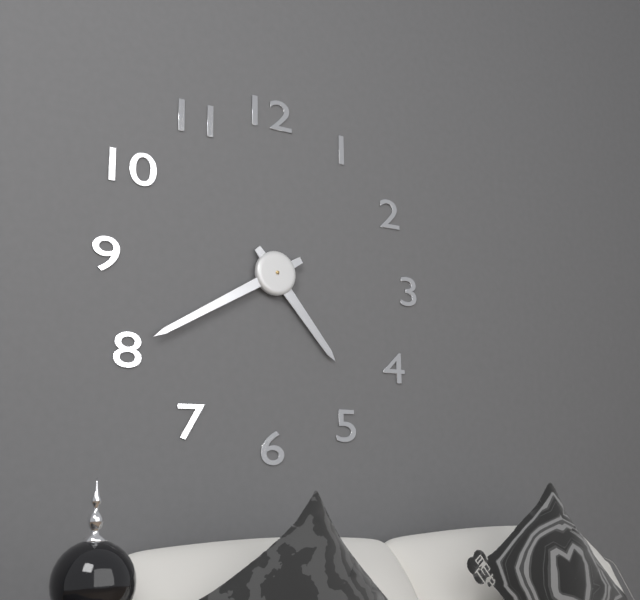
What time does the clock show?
4:40
